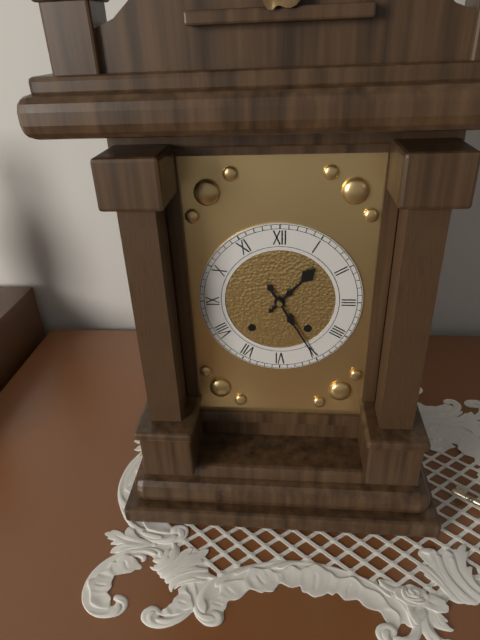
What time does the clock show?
1:25
